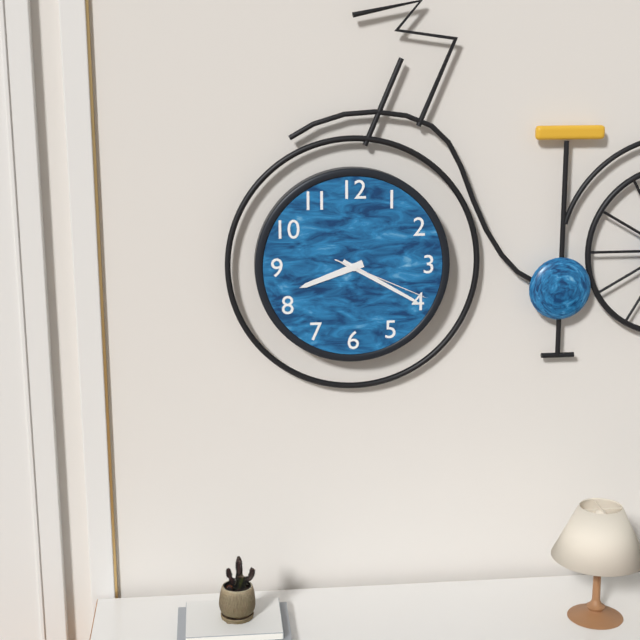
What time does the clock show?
8:20:19
